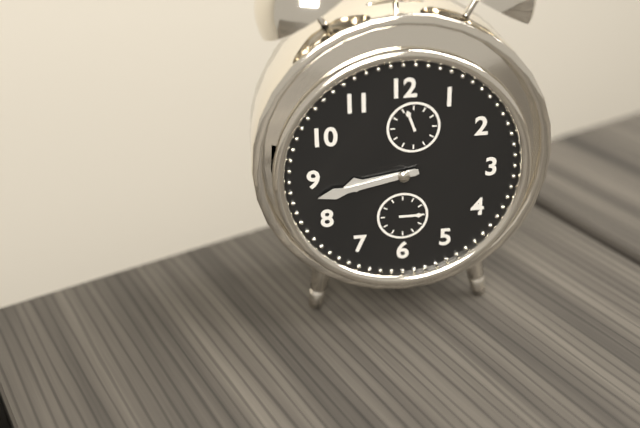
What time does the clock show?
8:43
